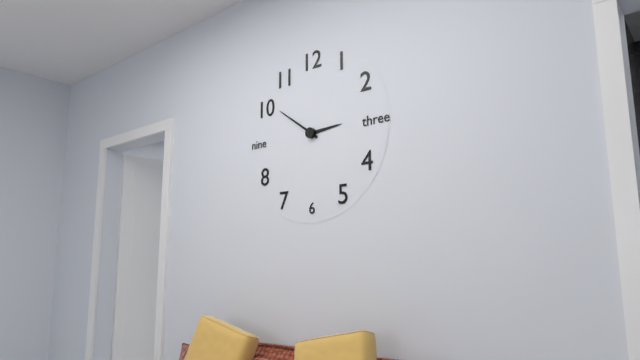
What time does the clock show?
2:51
